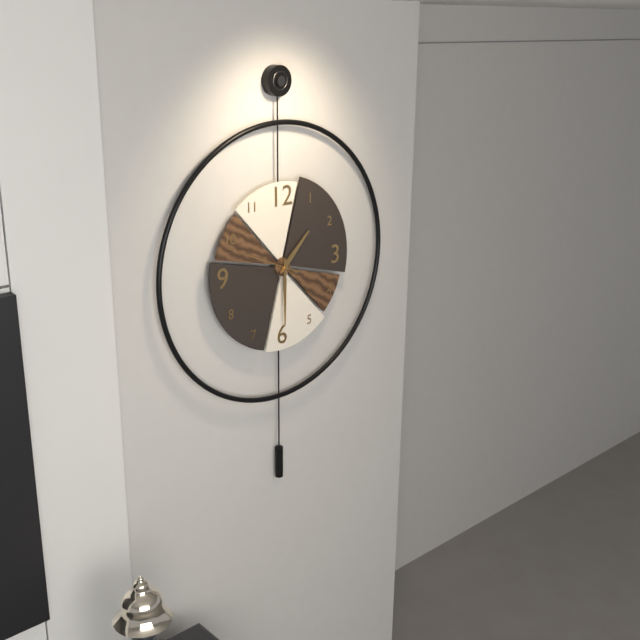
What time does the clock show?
1:30:49
